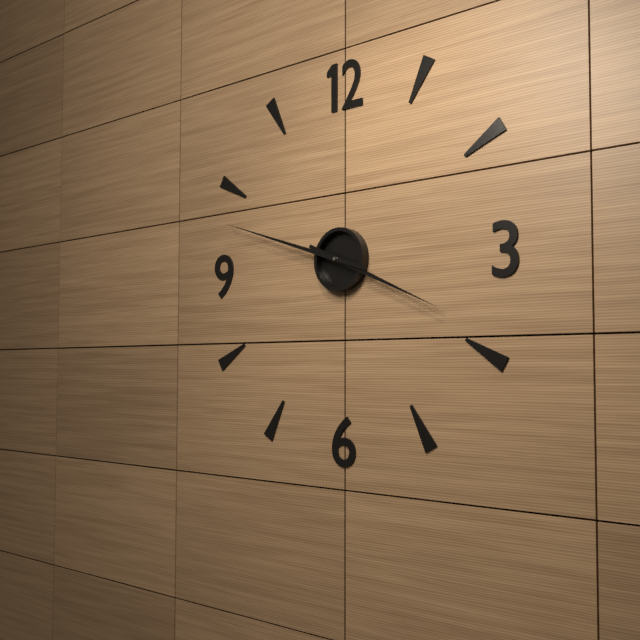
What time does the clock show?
3:48
